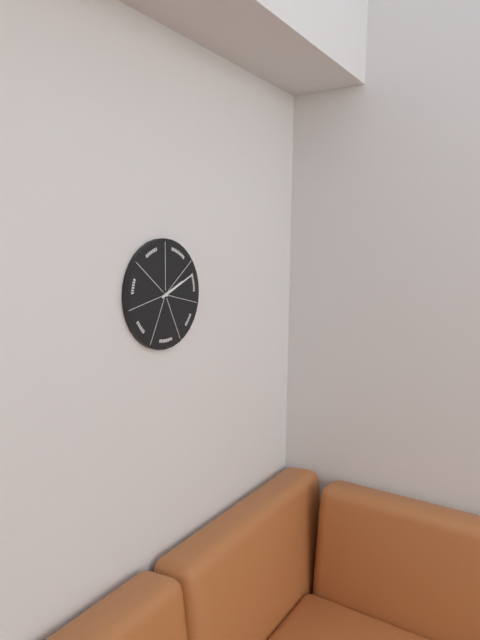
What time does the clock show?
2:11
